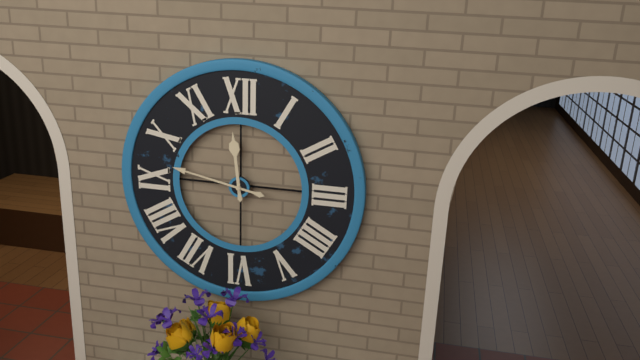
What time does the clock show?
11:47
